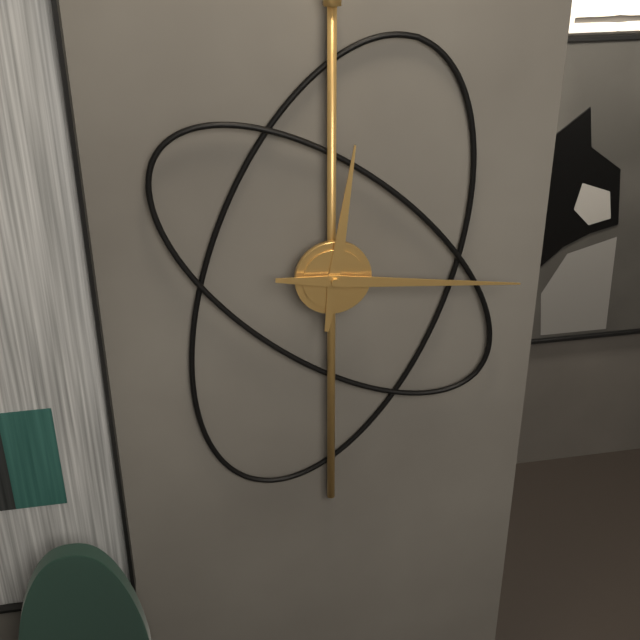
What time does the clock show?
12:16
